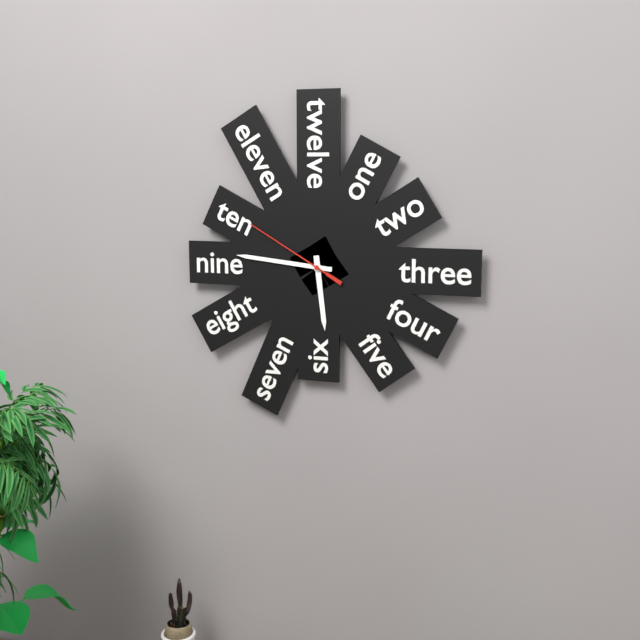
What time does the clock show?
5:46:50
